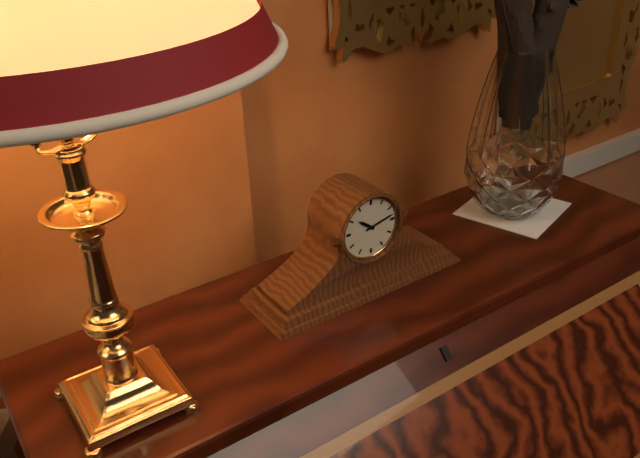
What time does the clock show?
10:13
